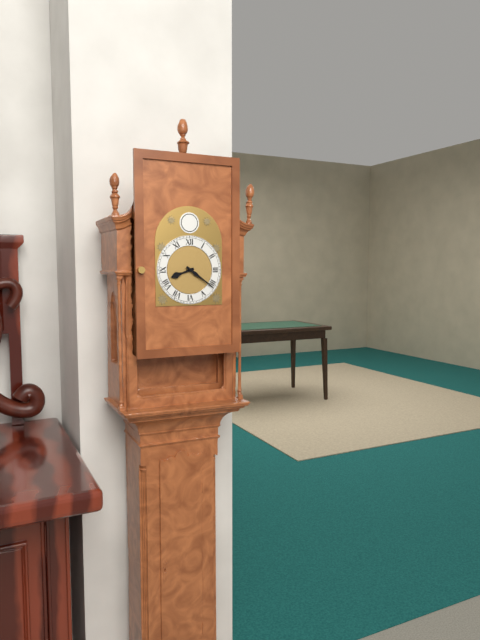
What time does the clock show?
8:21
